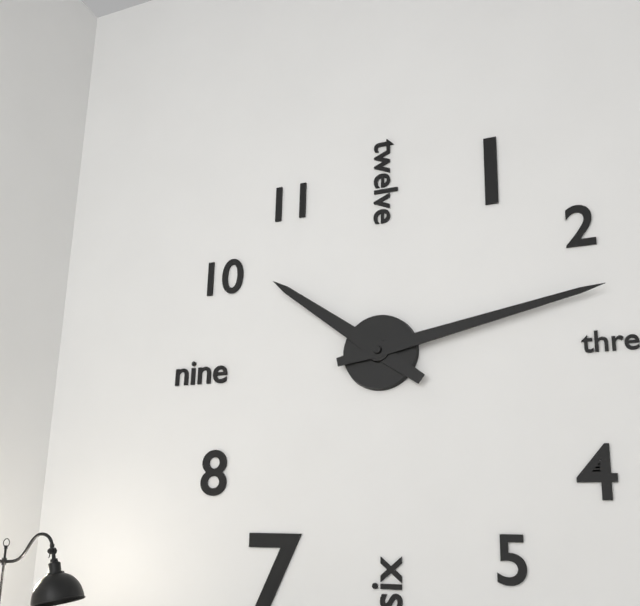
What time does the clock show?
10:13
